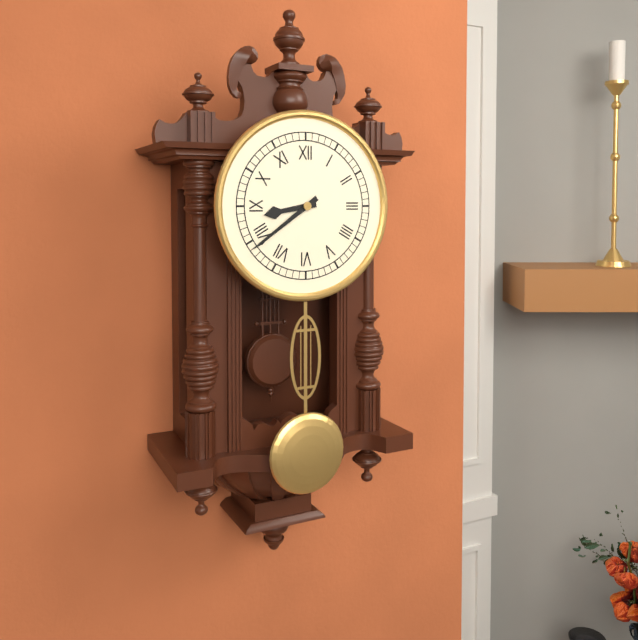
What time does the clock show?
8:39
